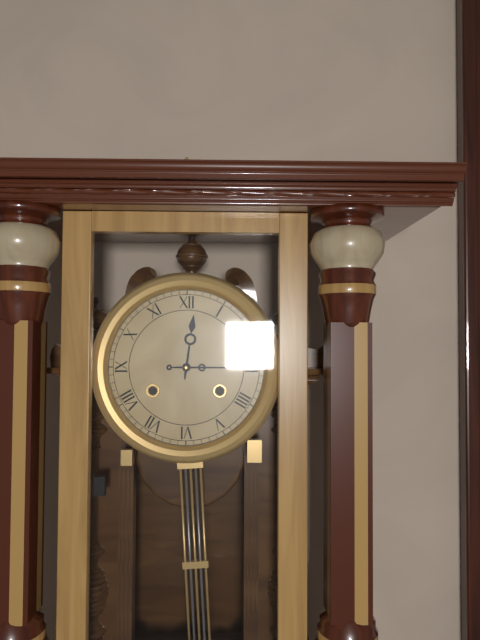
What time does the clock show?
12:15
